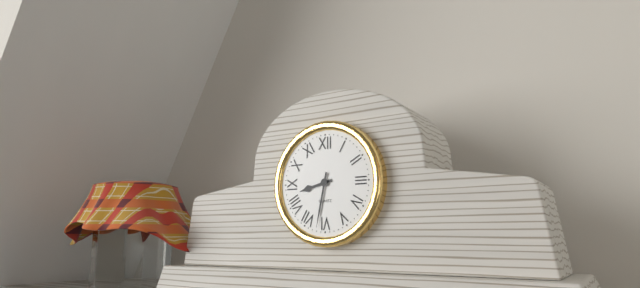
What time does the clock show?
8:32
